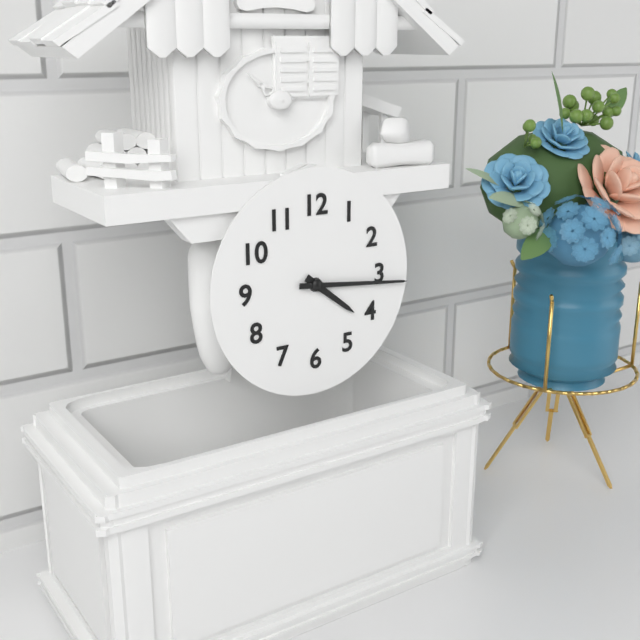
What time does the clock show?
4:16
